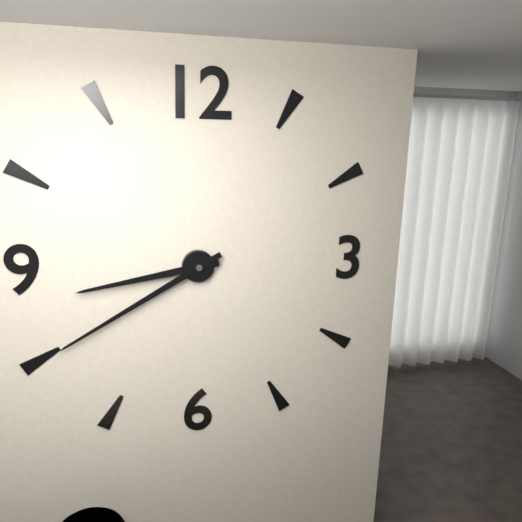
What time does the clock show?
8:40
